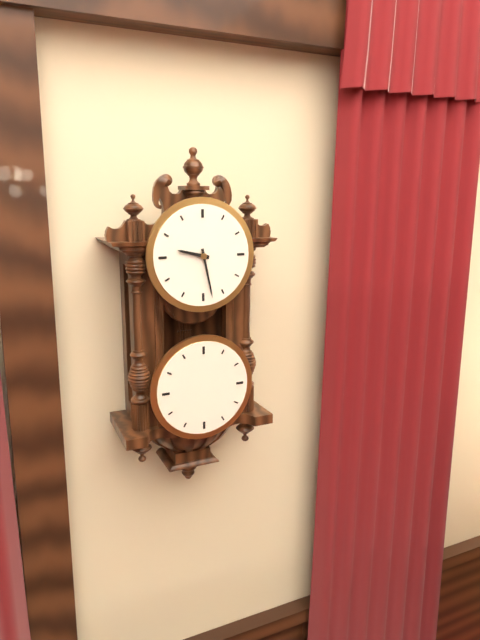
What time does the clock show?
9:28
